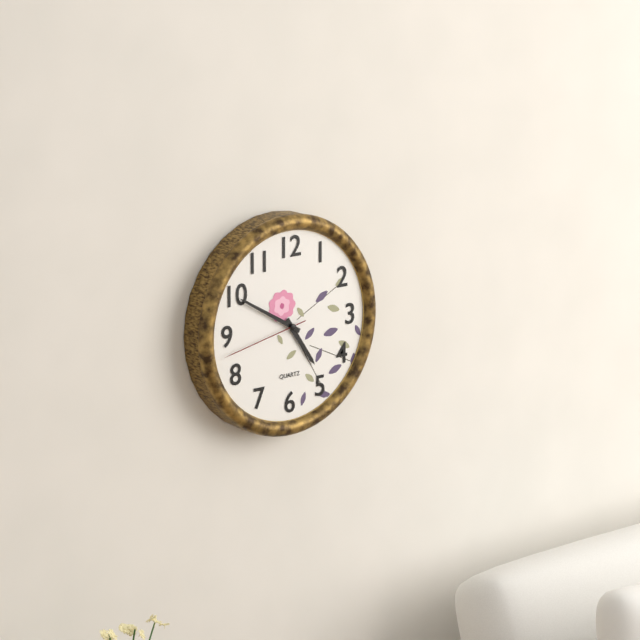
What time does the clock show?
4:50:43
